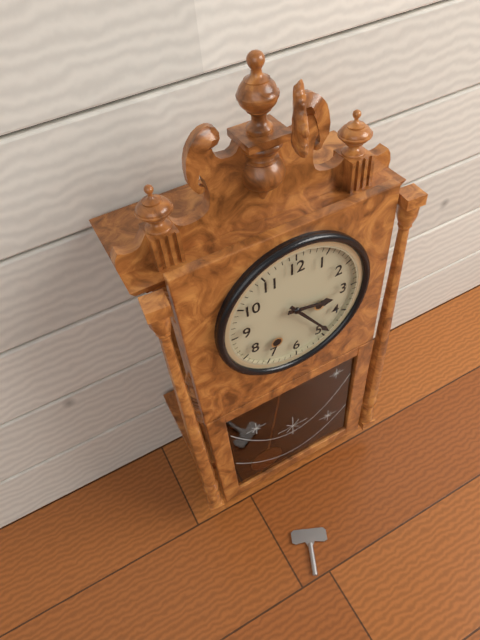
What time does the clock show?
3:24
